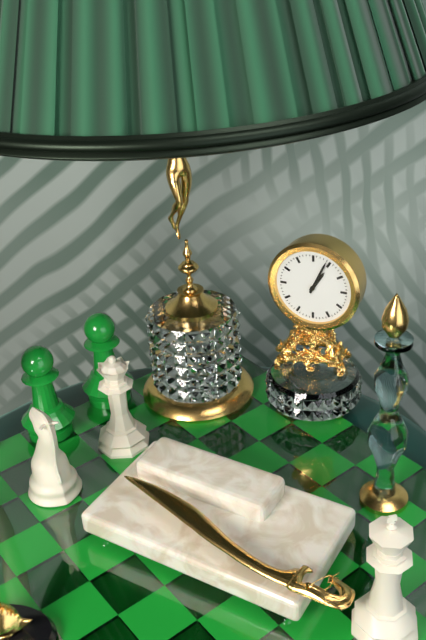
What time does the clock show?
1:04
